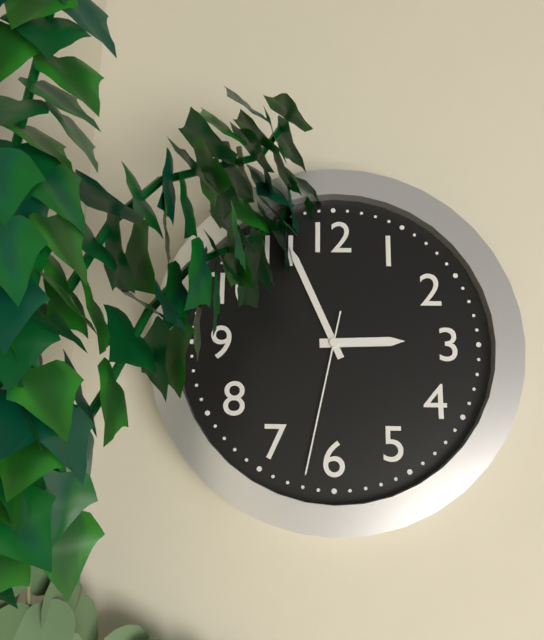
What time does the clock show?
2:56:32
